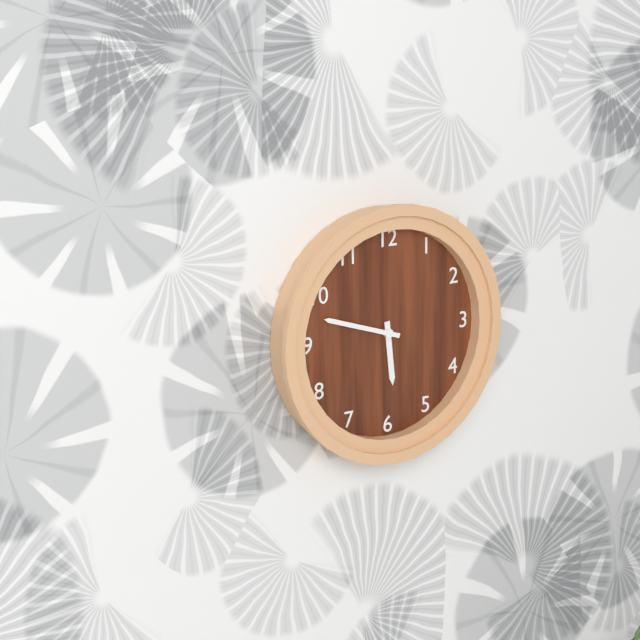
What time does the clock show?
5:48
